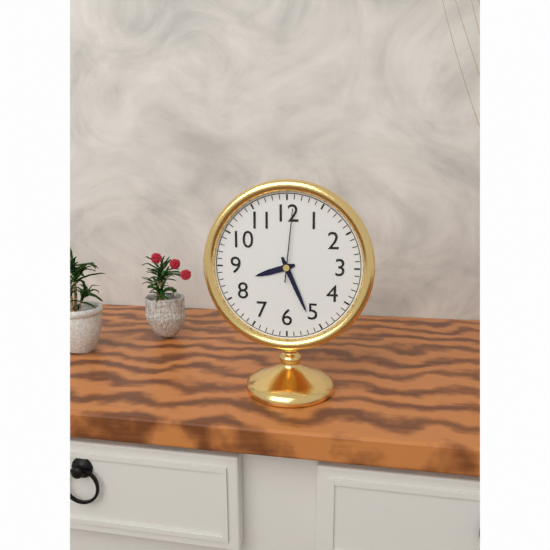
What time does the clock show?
8:26:01
